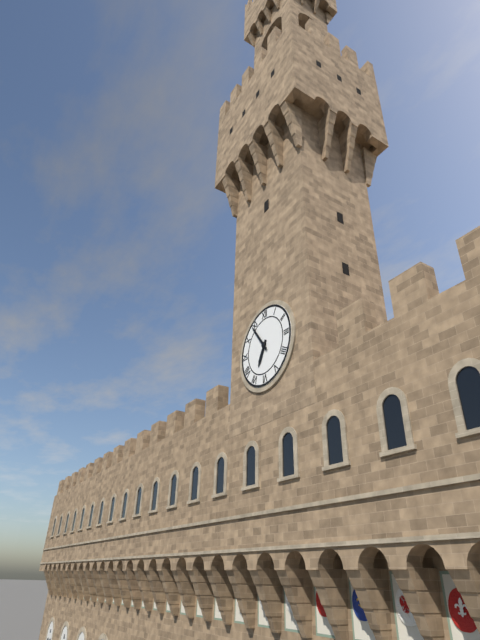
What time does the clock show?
6:54
